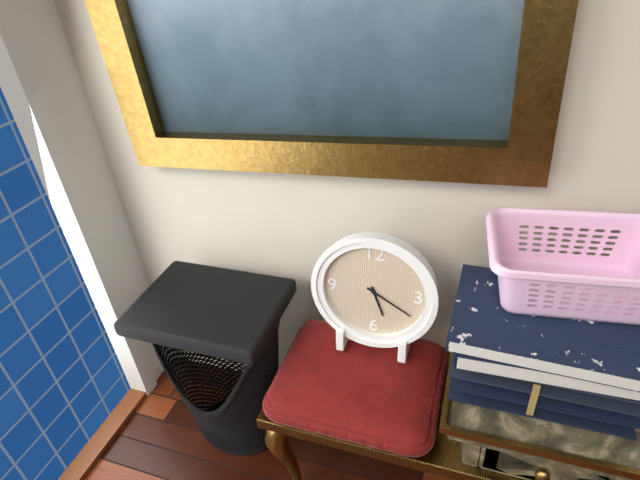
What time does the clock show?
5:20
